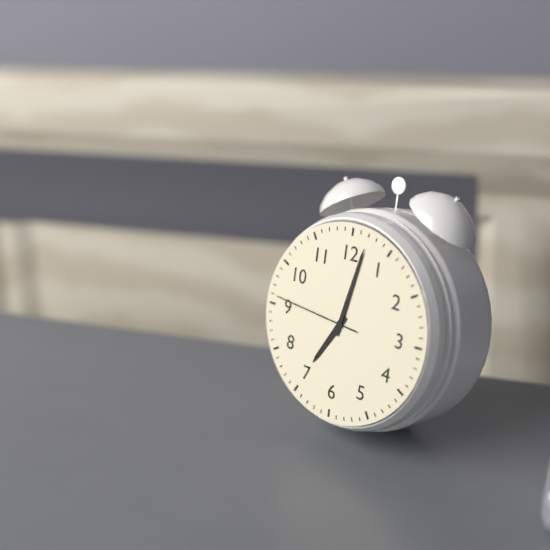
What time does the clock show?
7:02:46
